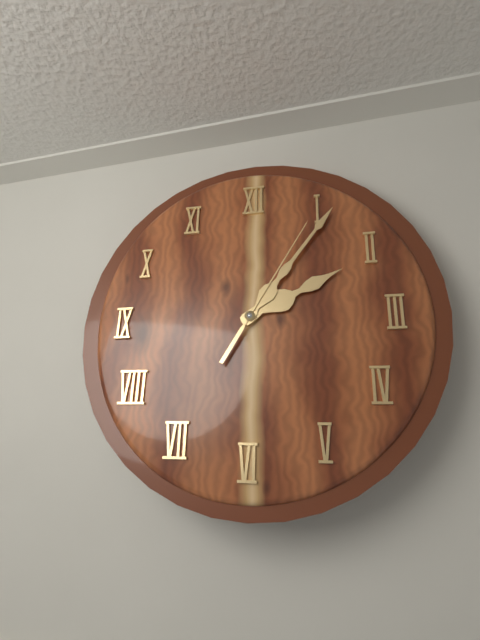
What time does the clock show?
2:06:05
